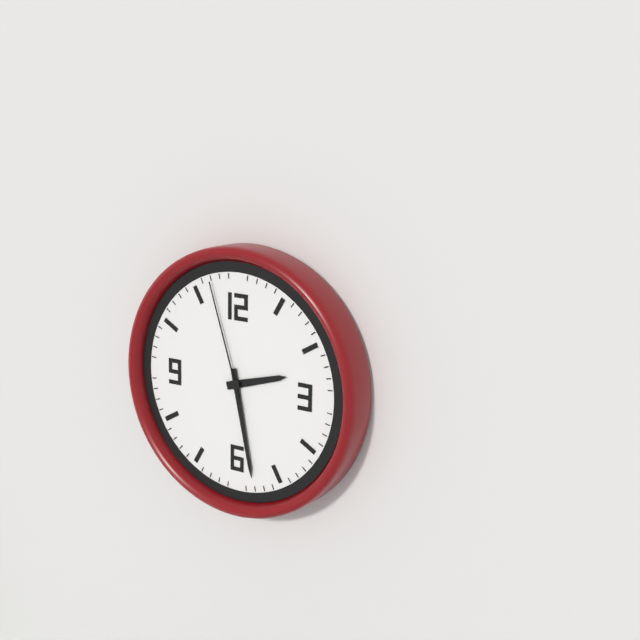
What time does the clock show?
2:28:57
